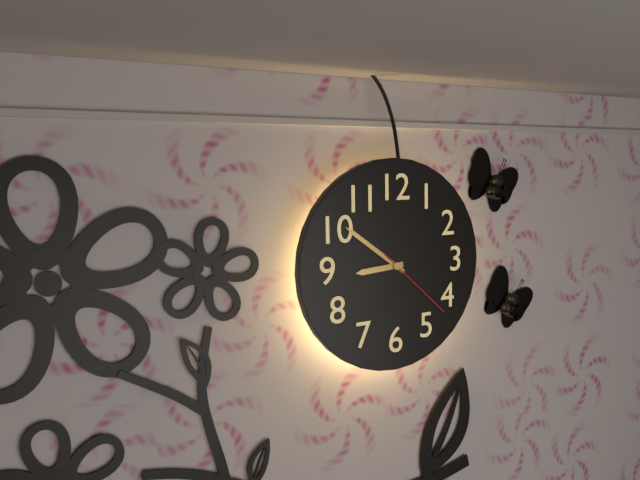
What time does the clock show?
8:51:22
